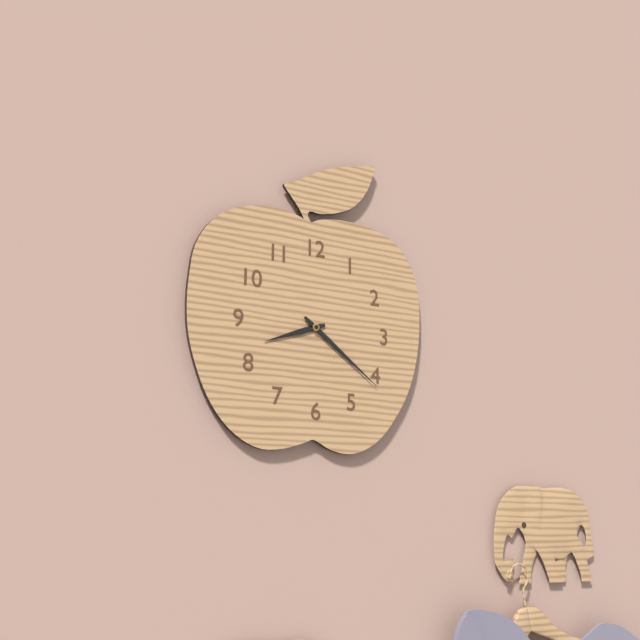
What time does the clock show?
8:21
